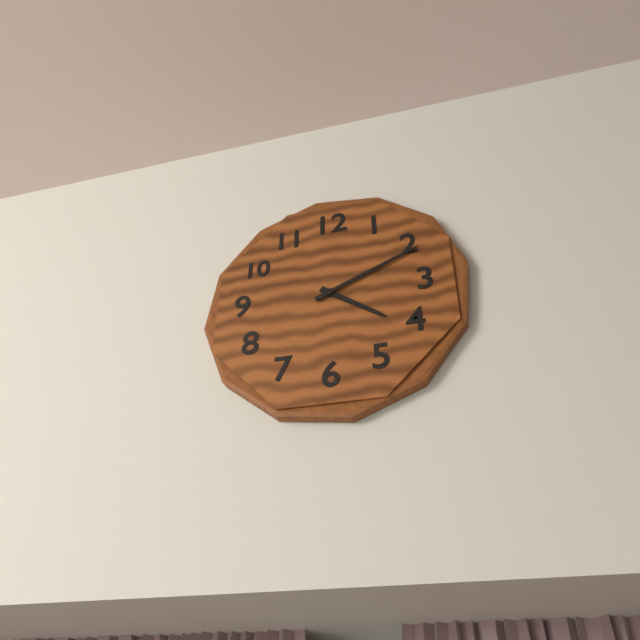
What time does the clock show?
4:11
